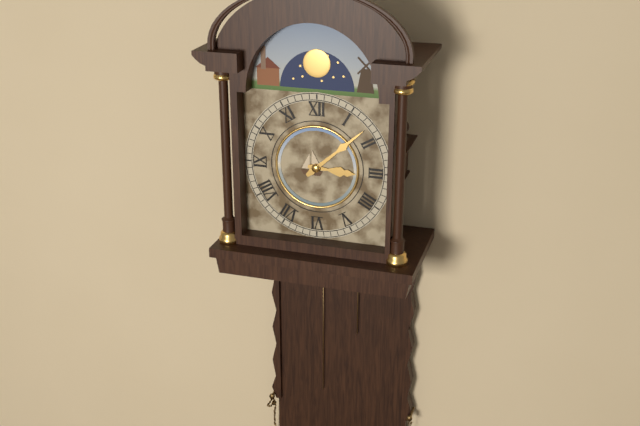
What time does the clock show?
3:08
